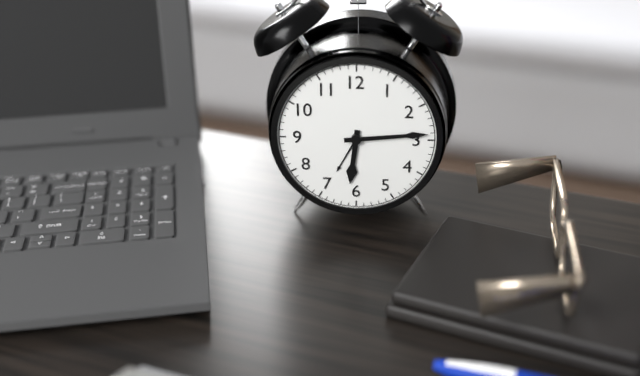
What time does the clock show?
6:14
